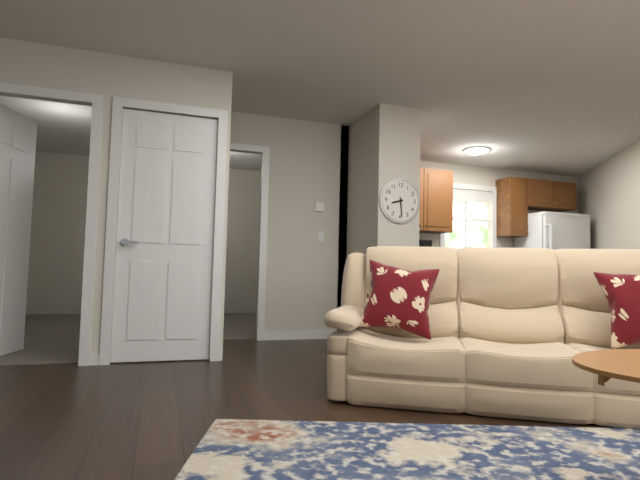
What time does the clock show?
8:29
